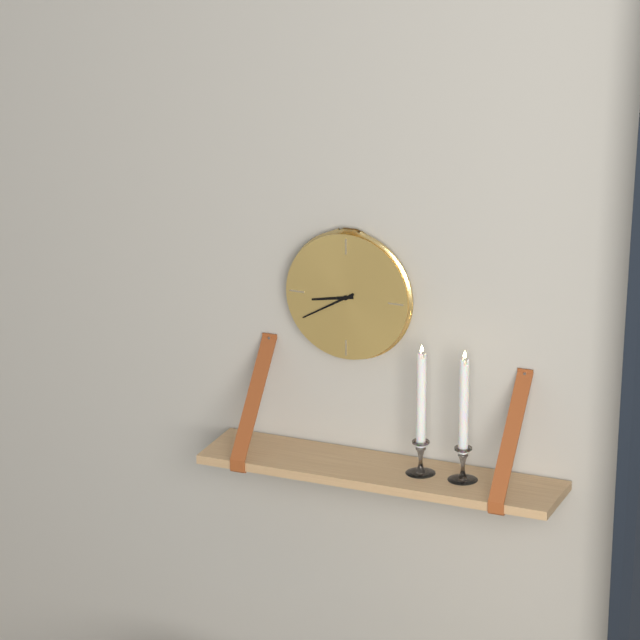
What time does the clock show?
8:40
